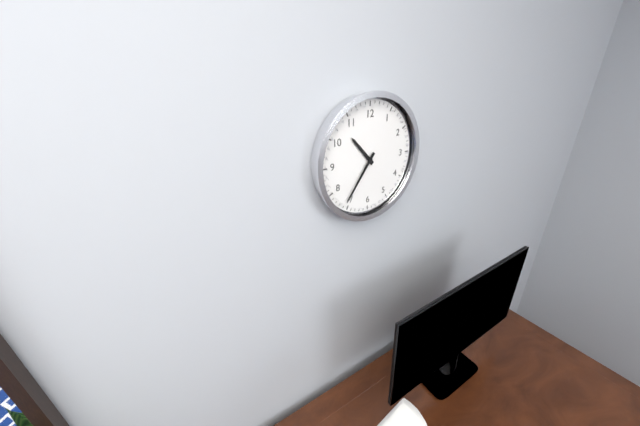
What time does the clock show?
10:36
